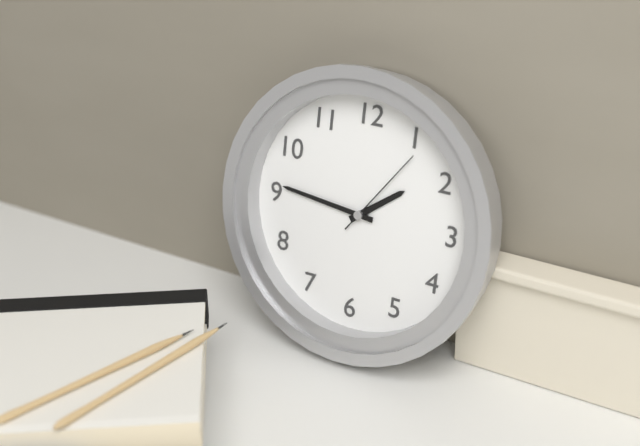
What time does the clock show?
1:46:06
